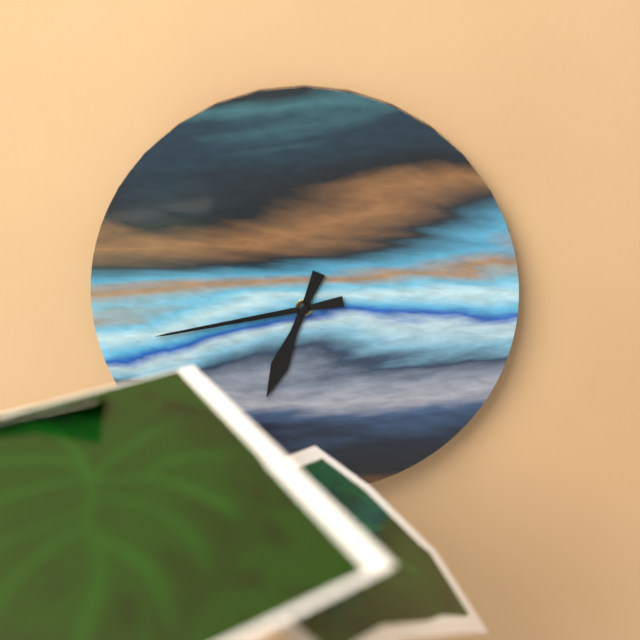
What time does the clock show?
6:43
